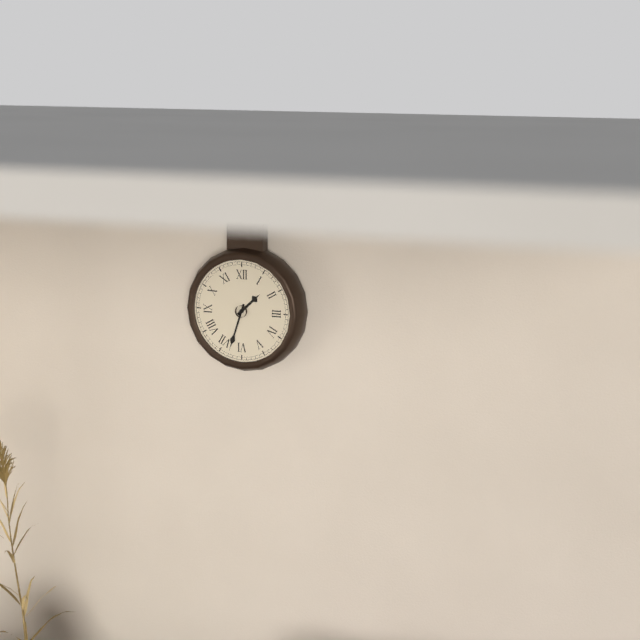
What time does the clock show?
1:33
